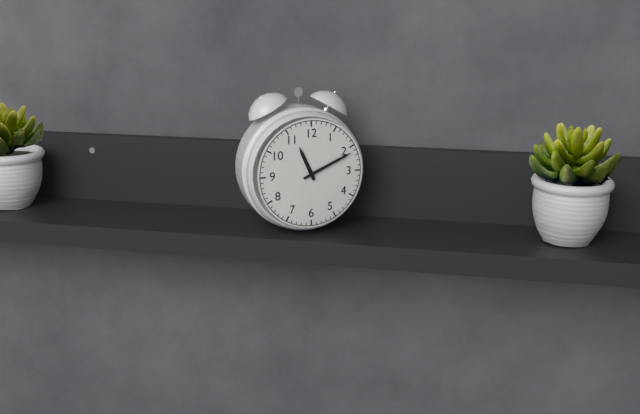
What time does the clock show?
11:11
